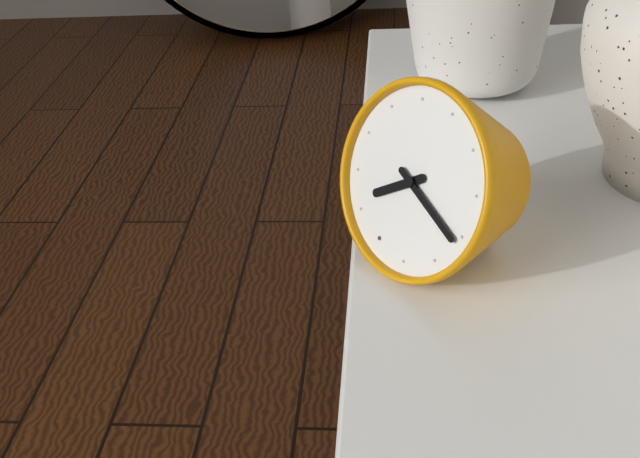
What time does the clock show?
7:16
